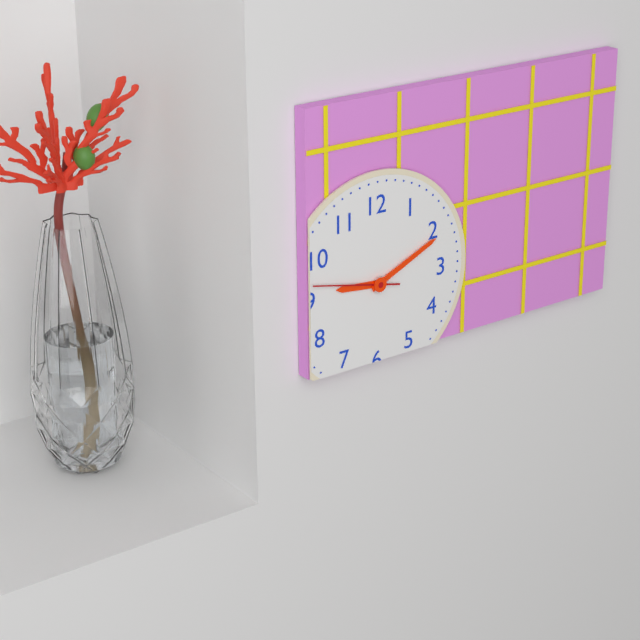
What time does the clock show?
9:11:47
